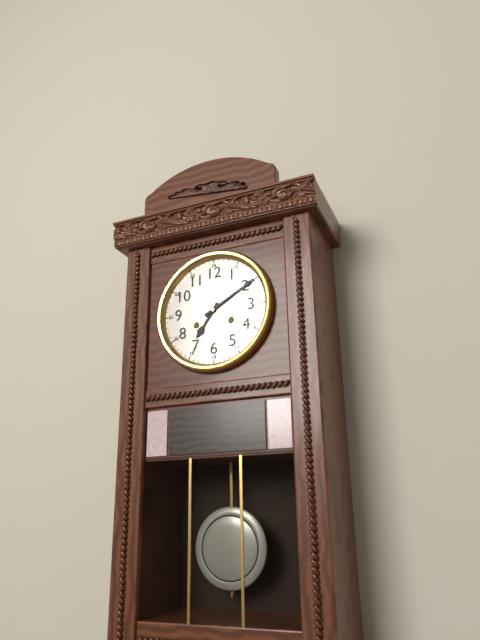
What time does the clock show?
7:10
